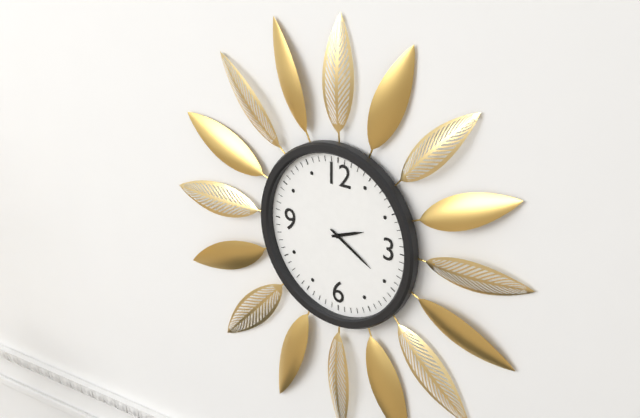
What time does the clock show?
2:20
